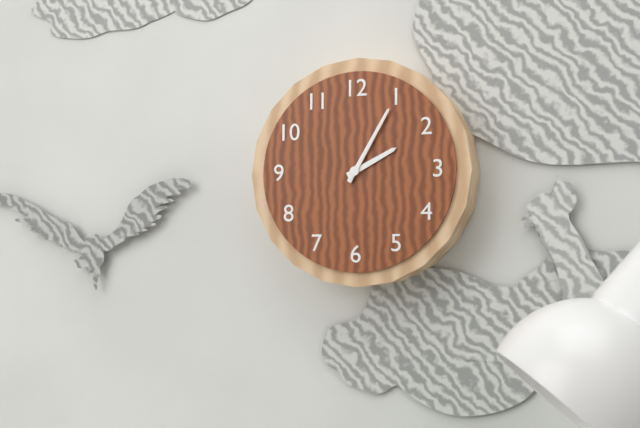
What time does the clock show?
2:05
